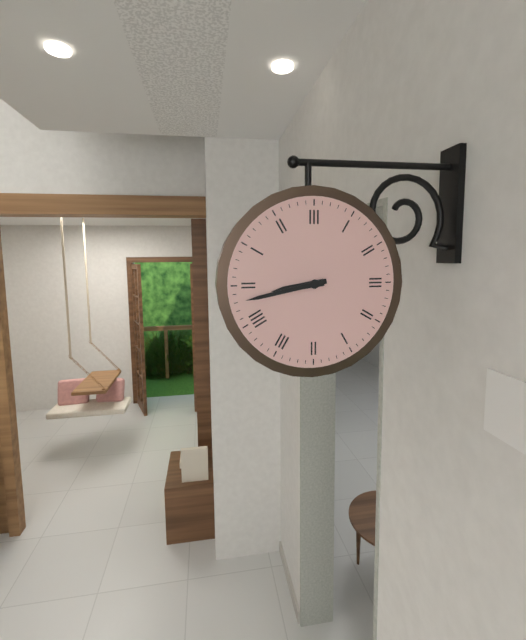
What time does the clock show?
8:43
